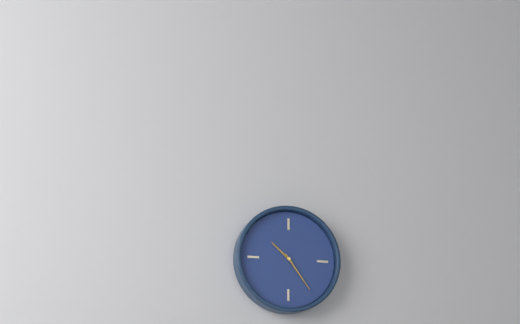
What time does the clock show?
10:24
